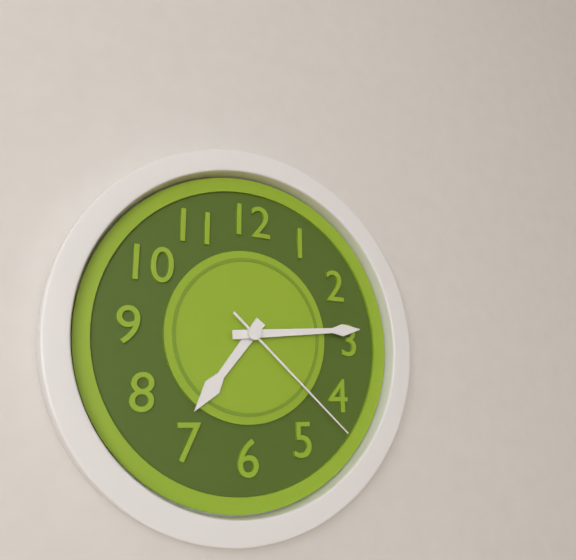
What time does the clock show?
7:14:22
